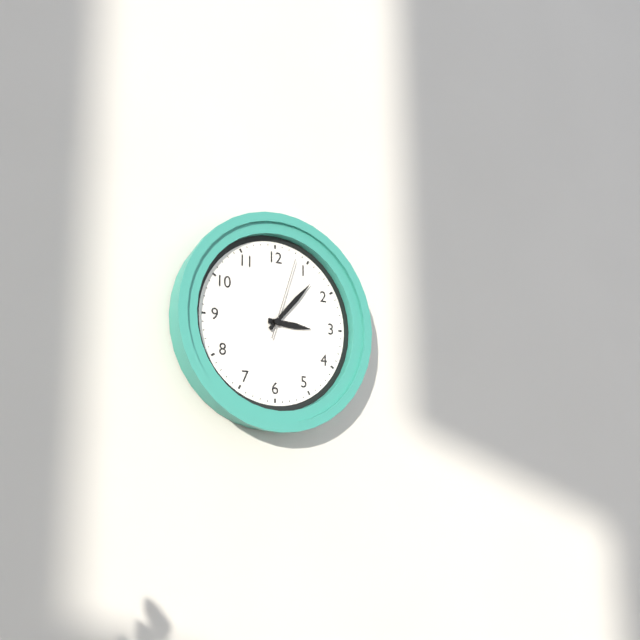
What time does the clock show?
3:07:03
